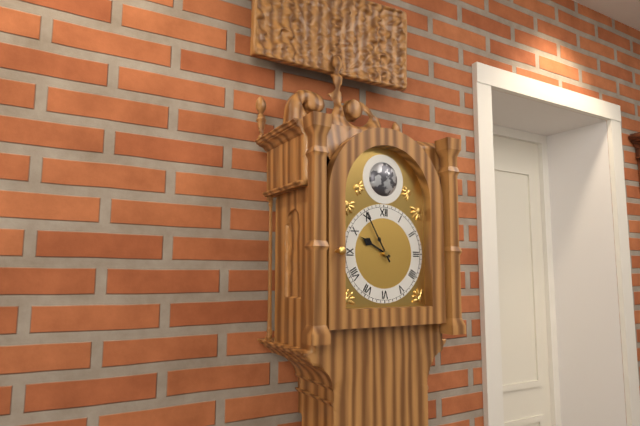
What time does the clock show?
9:55
